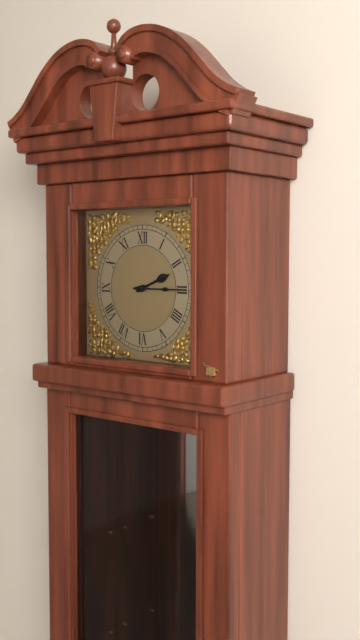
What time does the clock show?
2:15
